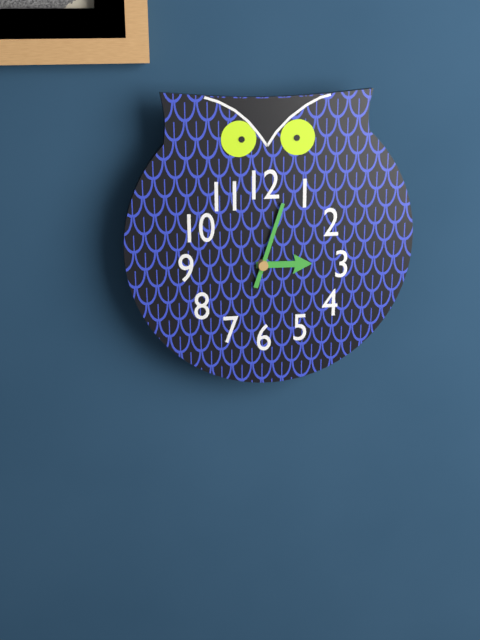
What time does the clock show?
3:03
